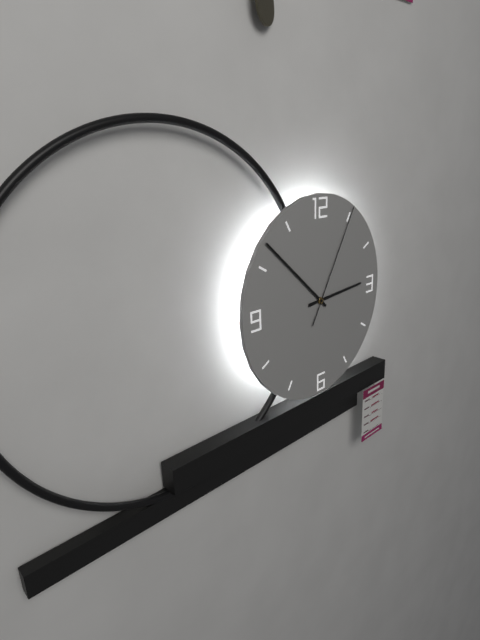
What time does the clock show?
2:52:05
